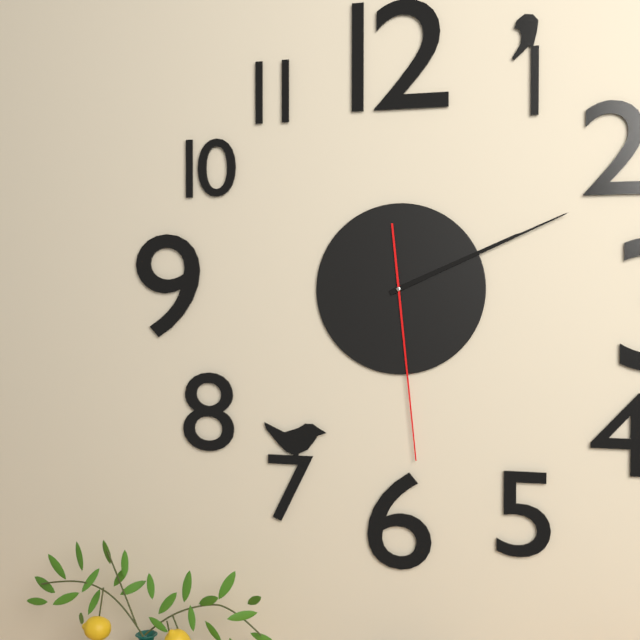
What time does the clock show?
2:11:29
